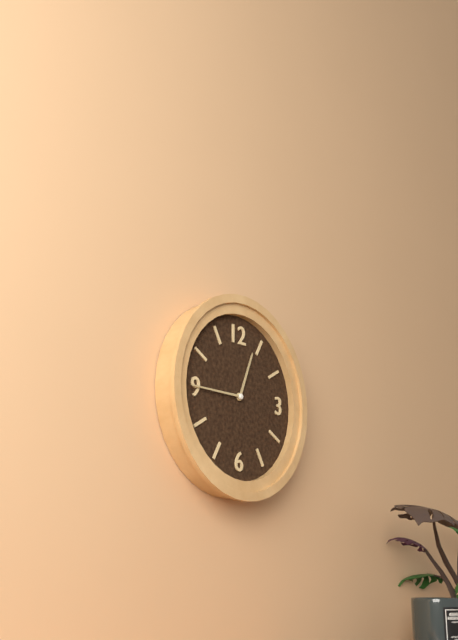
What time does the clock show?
12:45
